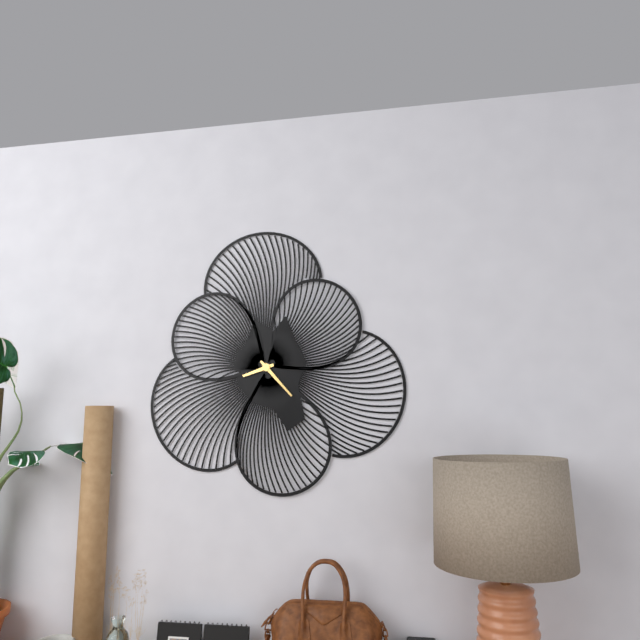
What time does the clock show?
8:23
